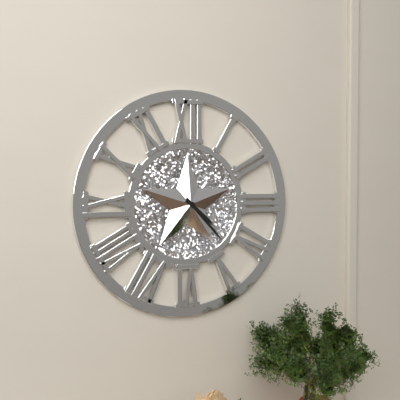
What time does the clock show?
4:23
